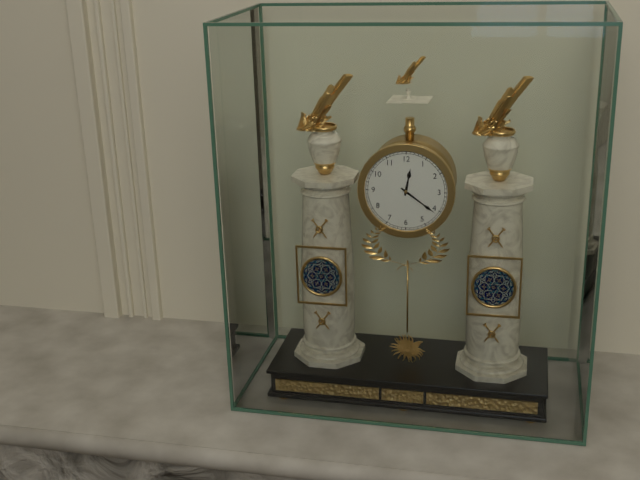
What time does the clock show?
12:21
